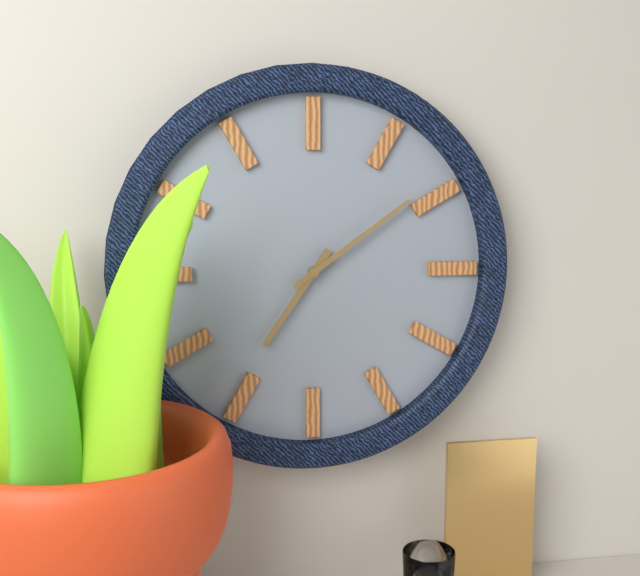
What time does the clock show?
7:09
